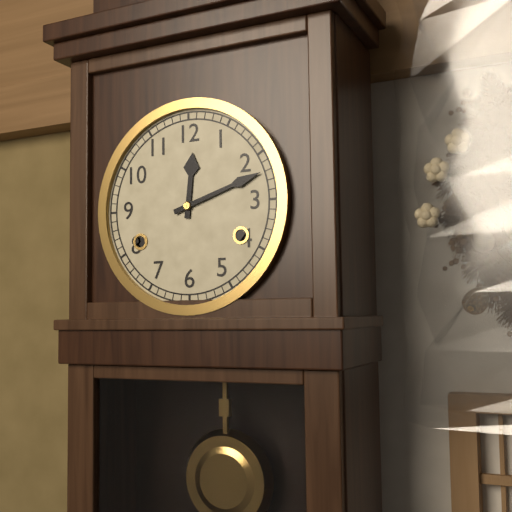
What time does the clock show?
12:12
